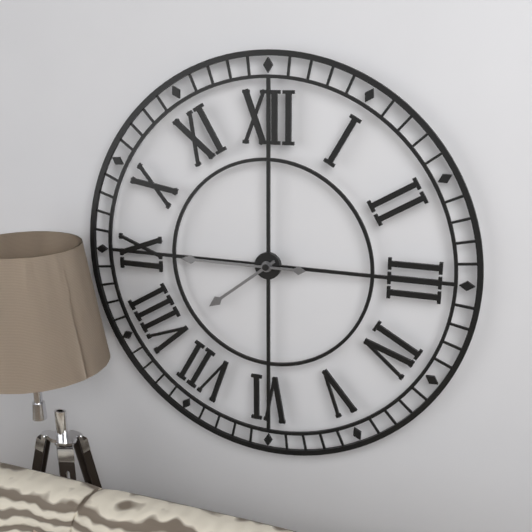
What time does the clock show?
7:45
